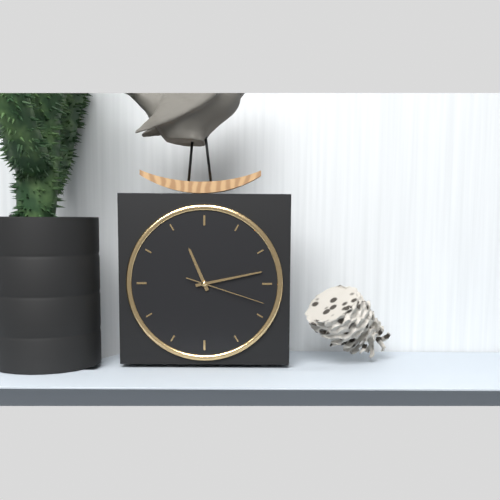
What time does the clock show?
11:13:18
